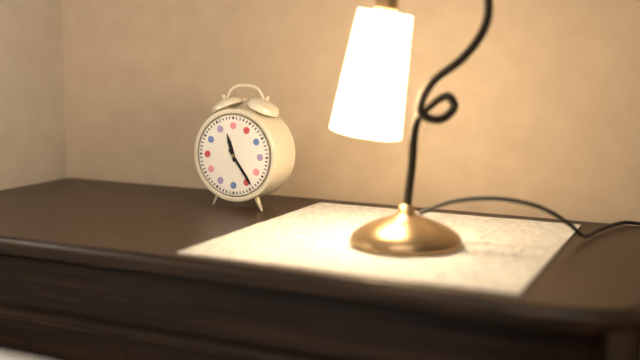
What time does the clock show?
11:24
